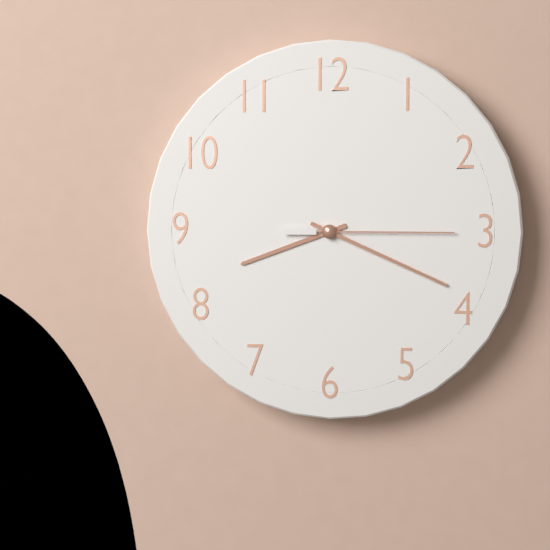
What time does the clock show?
8:19:15
